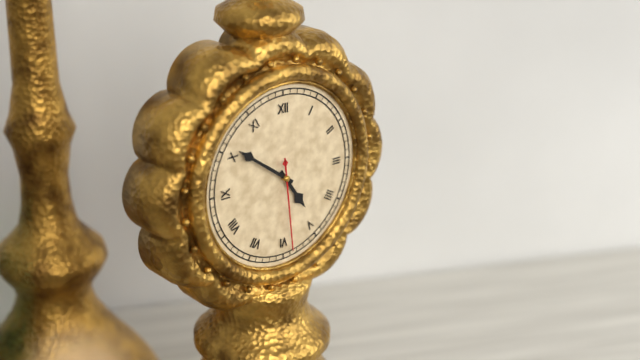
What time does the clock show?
4:51:29
